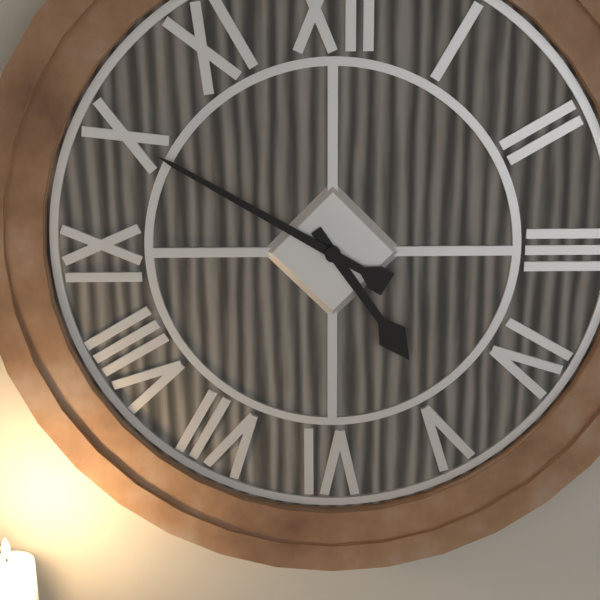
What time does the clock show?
4:50
